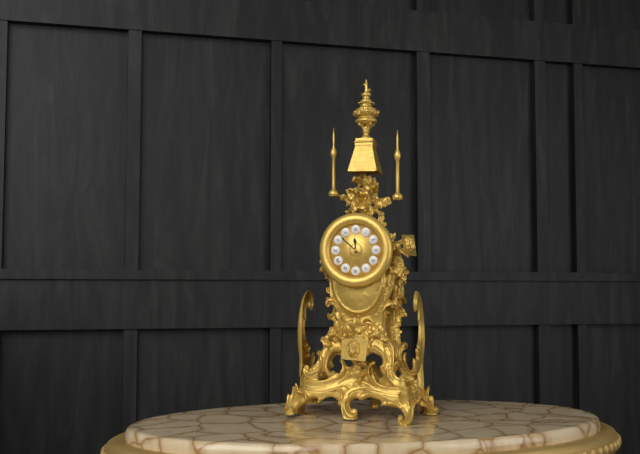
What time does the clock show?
11:52
